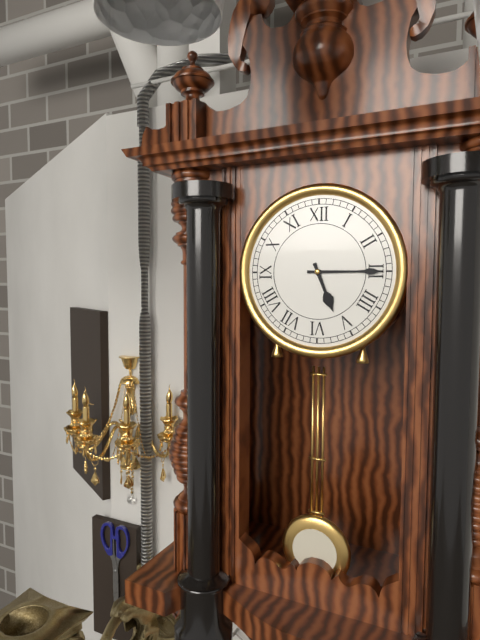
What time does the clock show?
5:15
